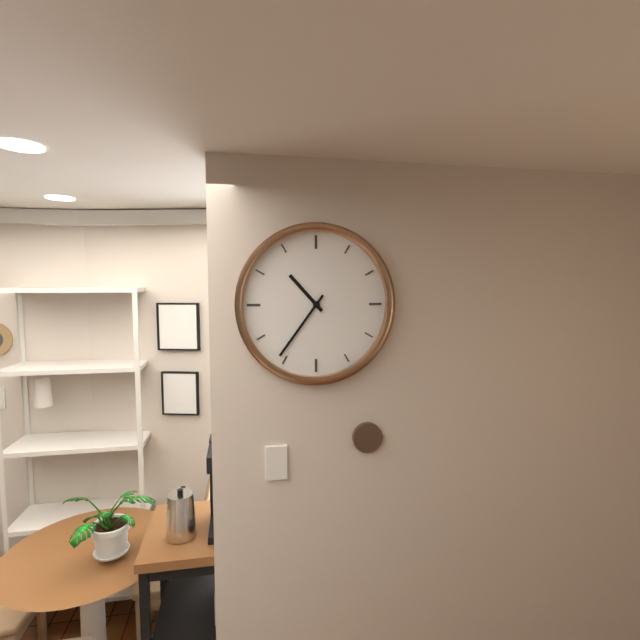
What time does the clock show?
10:36
